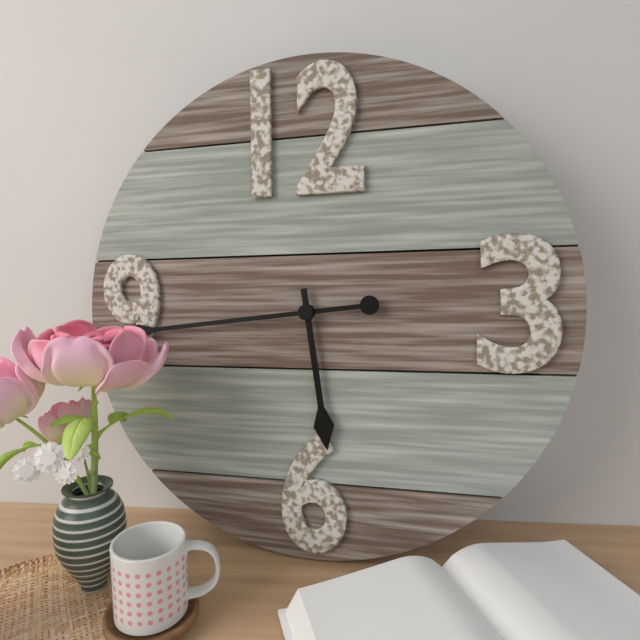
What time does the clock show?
5:44
